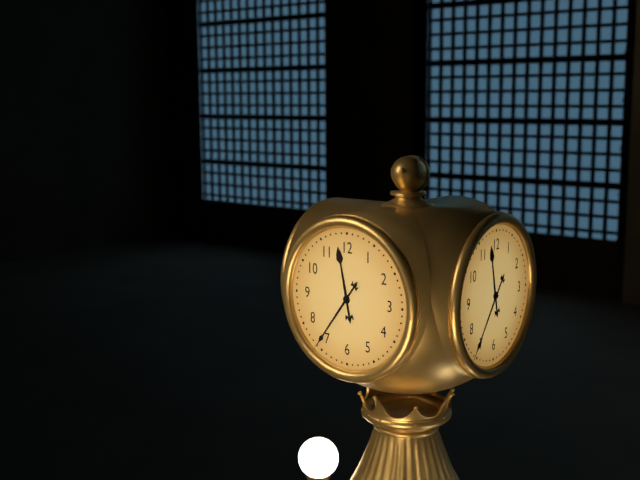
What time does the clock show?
11:36
